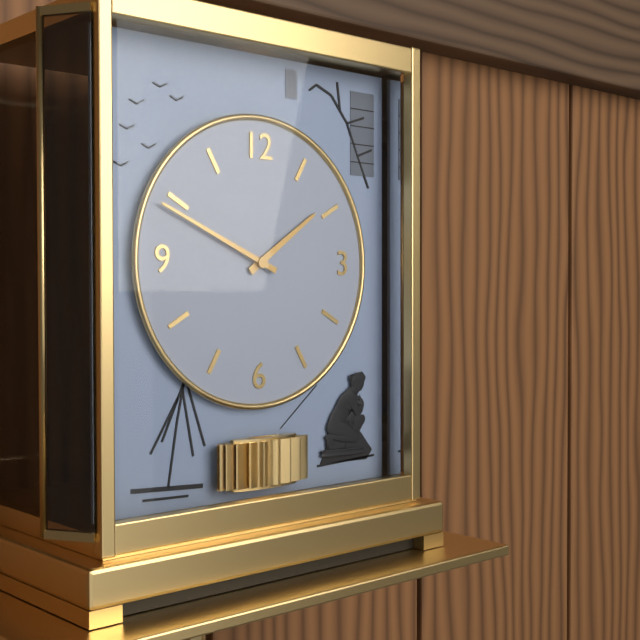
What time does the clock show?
1:49
